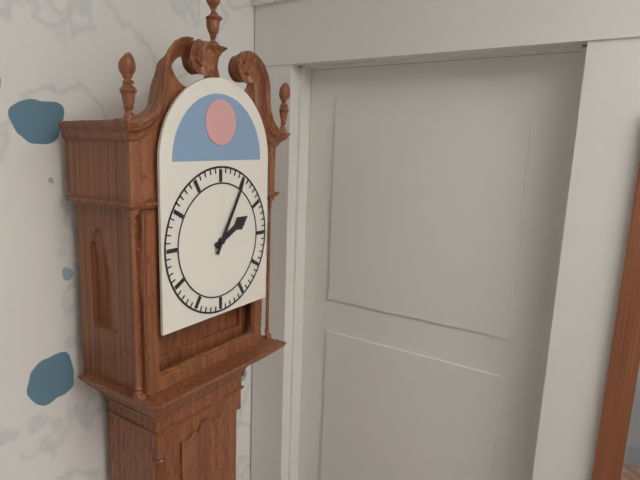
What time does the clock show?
2:05
